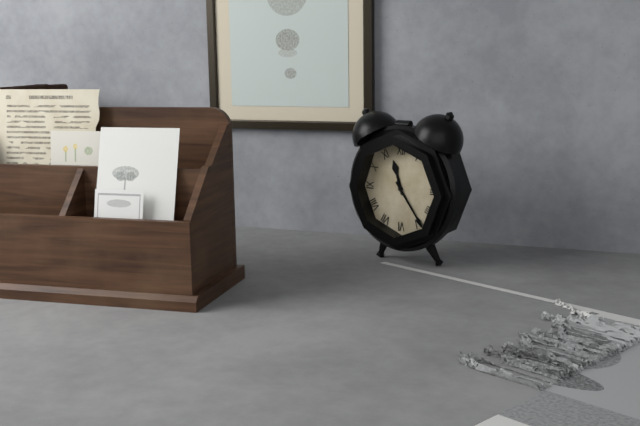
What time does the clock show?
11:24
